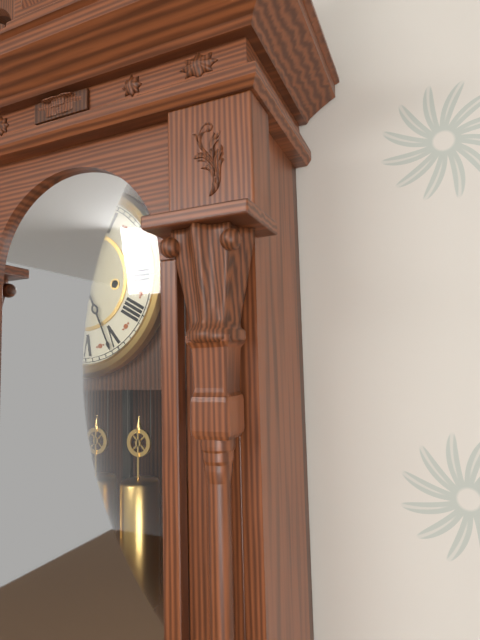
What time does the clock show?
7:26
